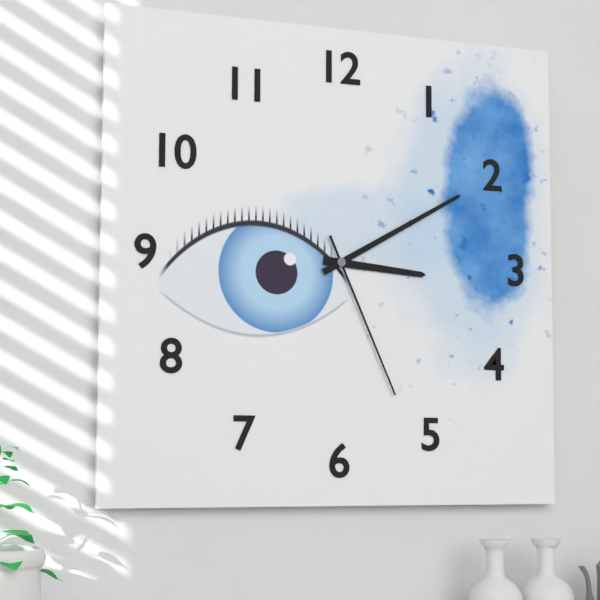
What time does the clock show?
3:10:26
